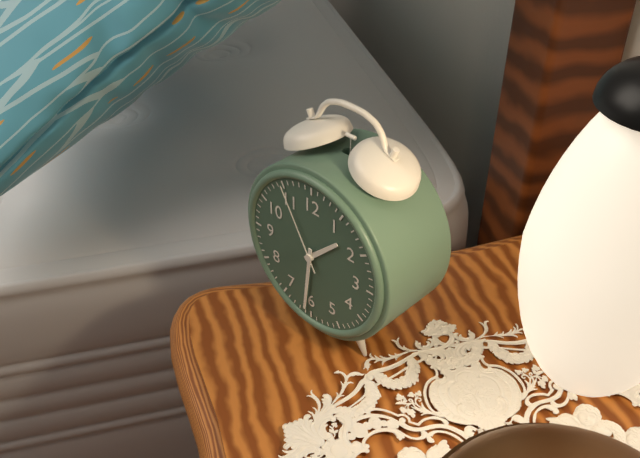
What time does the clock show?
1:31:55
